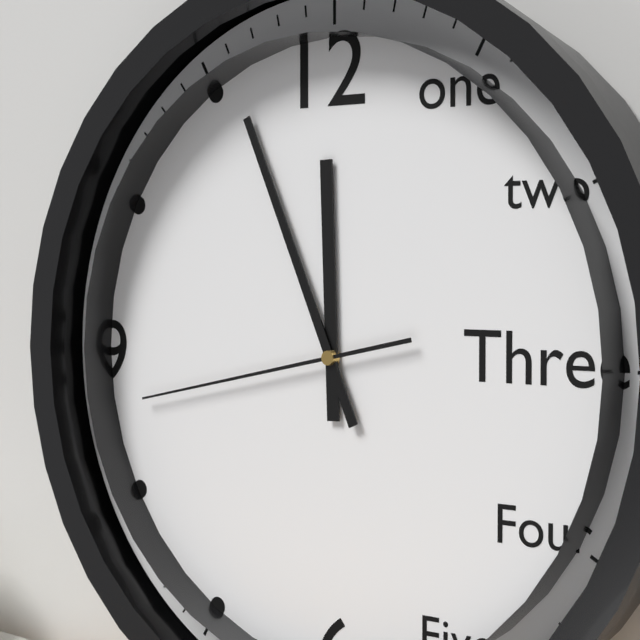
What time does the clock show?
11:56:43
